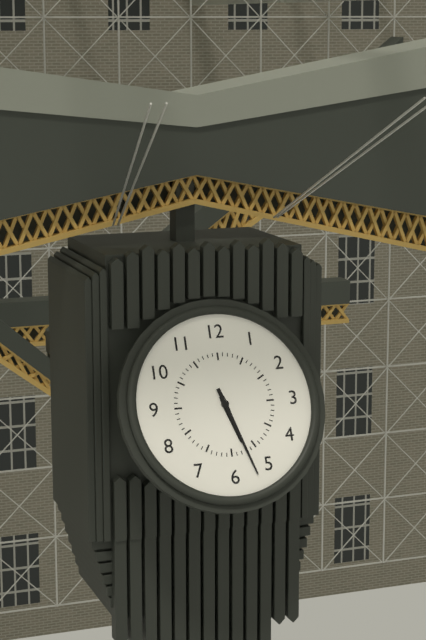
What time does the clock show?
5:27
